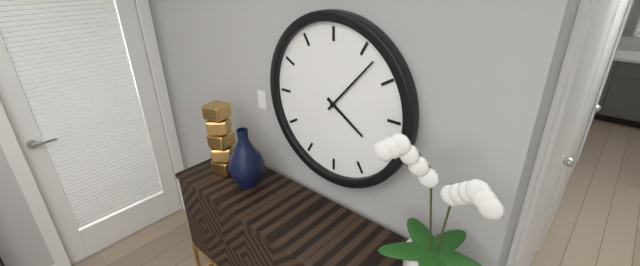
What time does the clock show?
4:07
